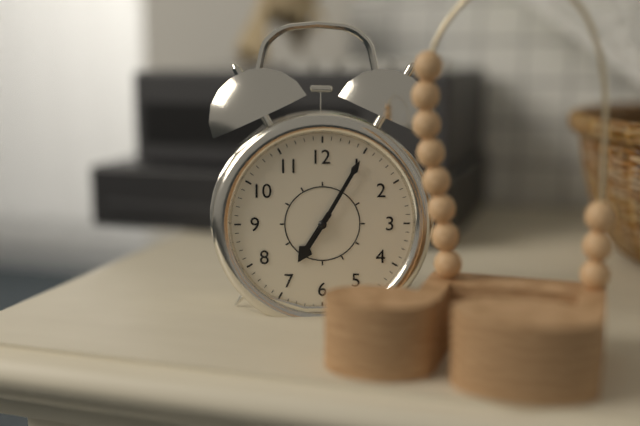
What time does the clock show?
7:05
